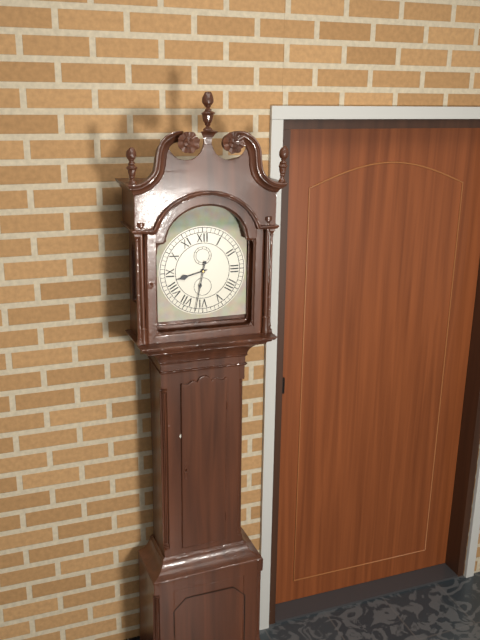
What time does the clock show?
8:32
